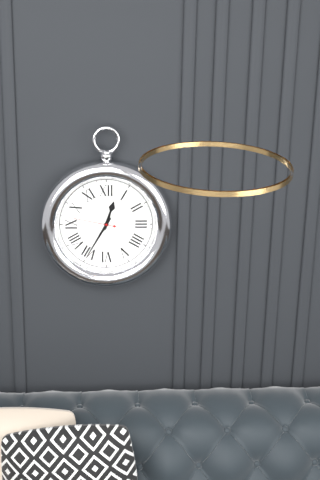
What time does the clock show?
12:35:47
